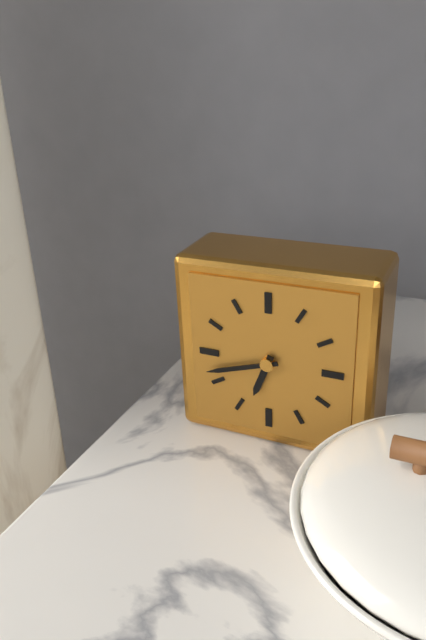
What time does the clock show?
6:42
